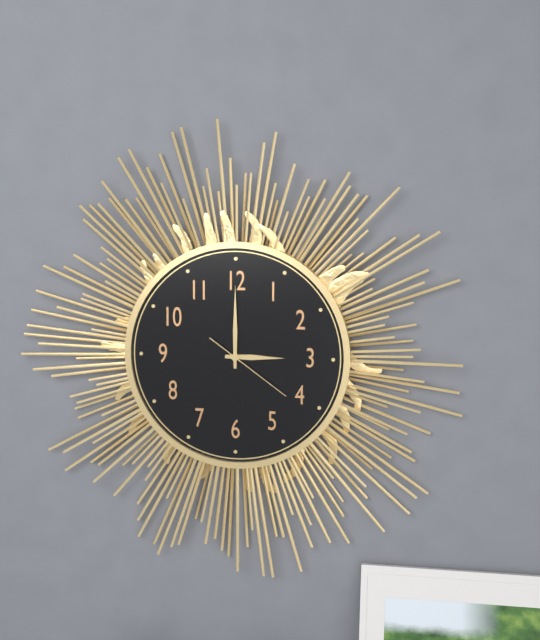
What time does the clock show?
3:00:21
